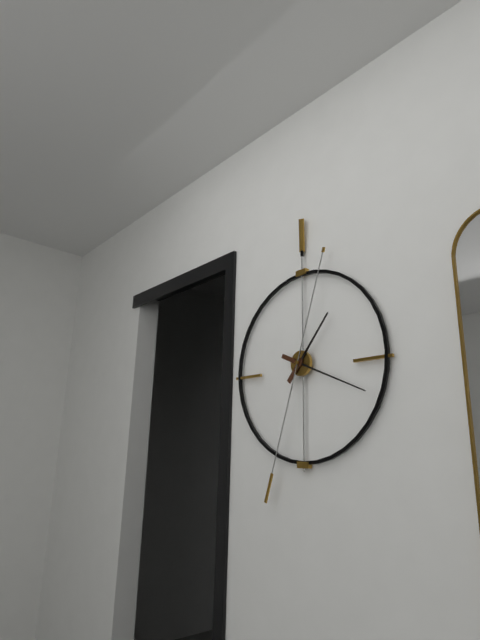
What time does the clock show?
1:19:33
